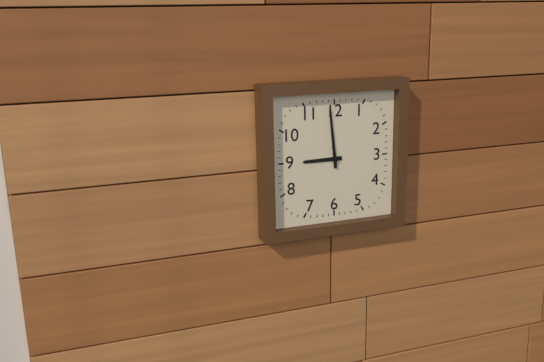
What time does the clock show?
8:59
